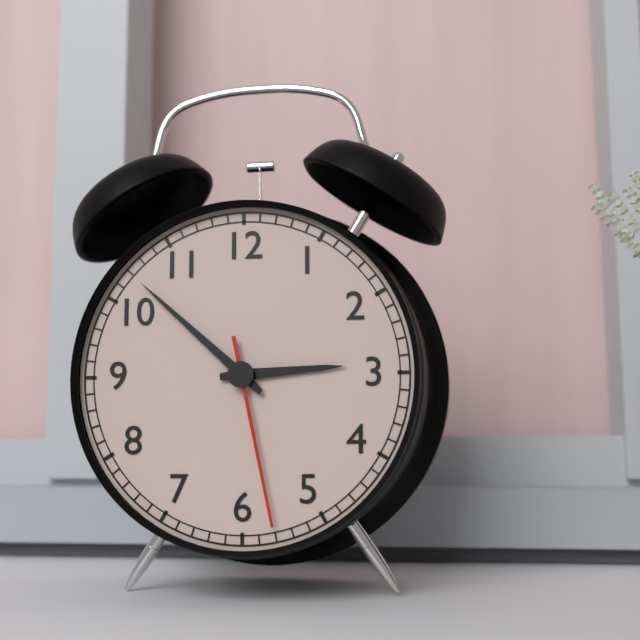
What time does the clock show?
2:52:28
